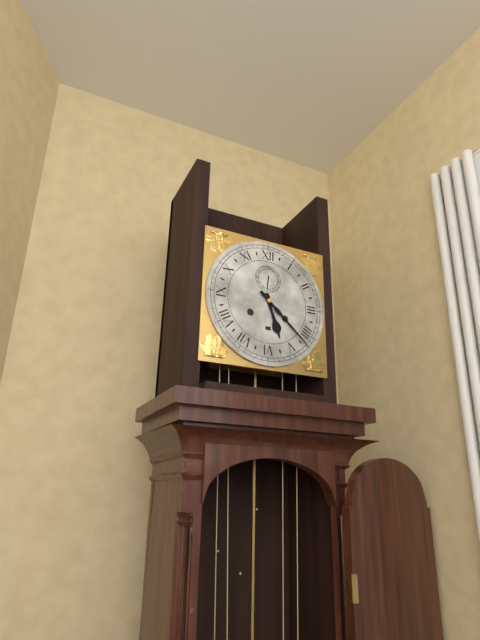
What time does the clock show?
5:22
